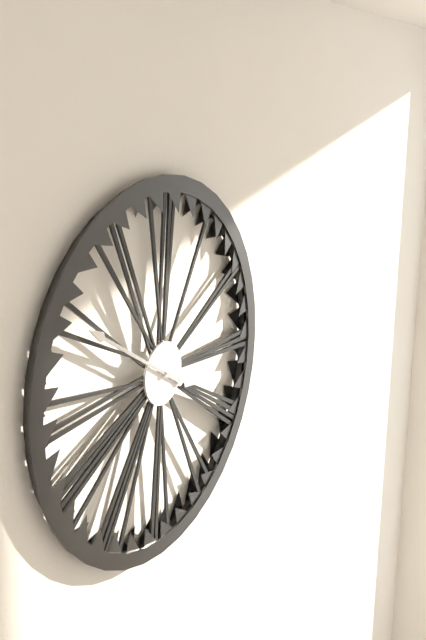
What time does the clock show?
3:50
